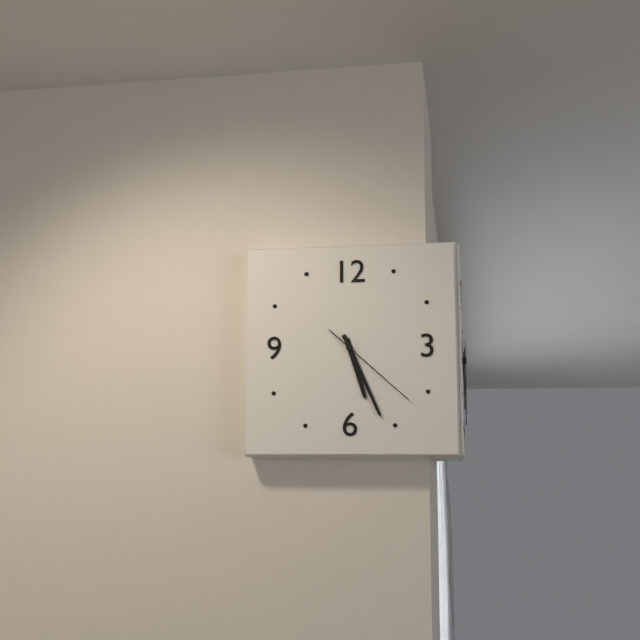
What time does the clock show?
5:26:22
